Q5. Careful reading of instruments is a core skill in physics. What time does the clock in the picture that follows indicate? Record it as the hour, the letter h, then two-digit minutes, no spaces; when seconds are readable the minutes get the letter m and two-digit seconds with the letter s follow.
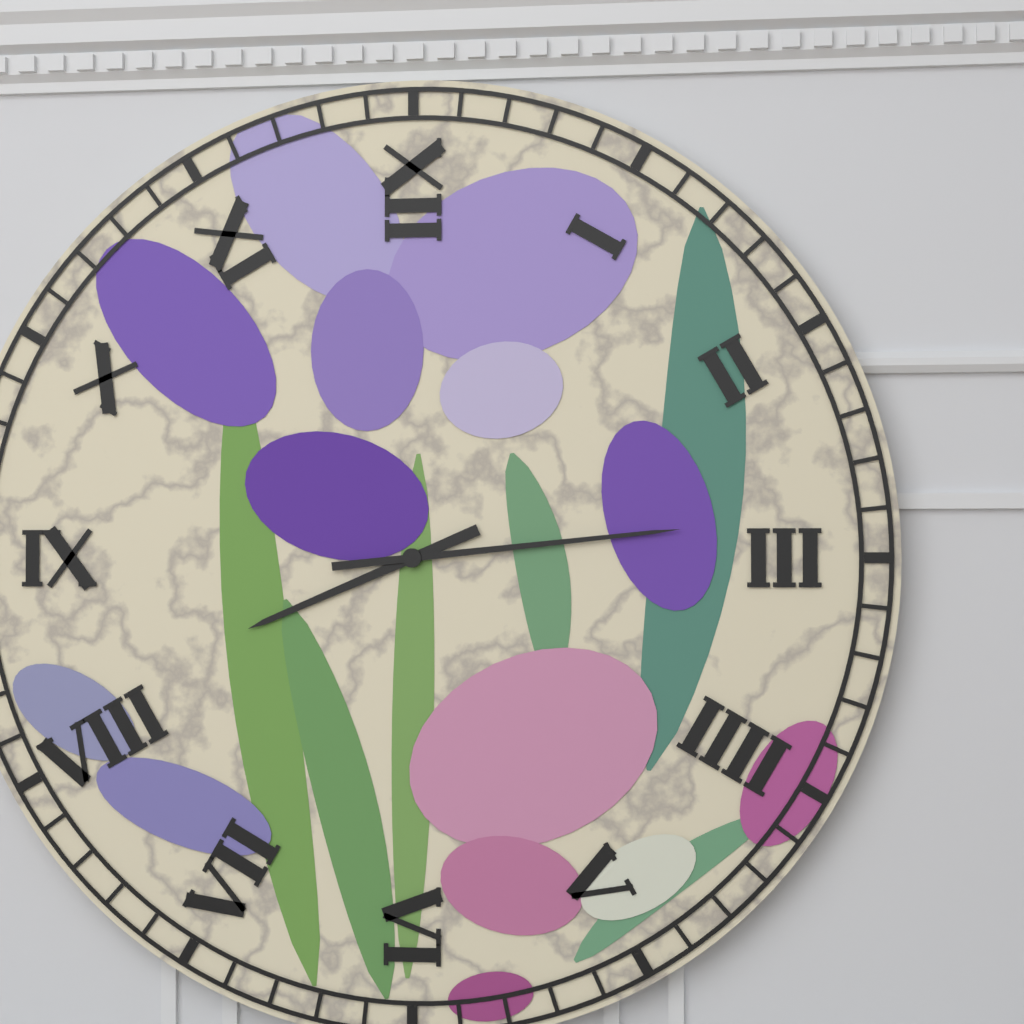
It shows 8h14
